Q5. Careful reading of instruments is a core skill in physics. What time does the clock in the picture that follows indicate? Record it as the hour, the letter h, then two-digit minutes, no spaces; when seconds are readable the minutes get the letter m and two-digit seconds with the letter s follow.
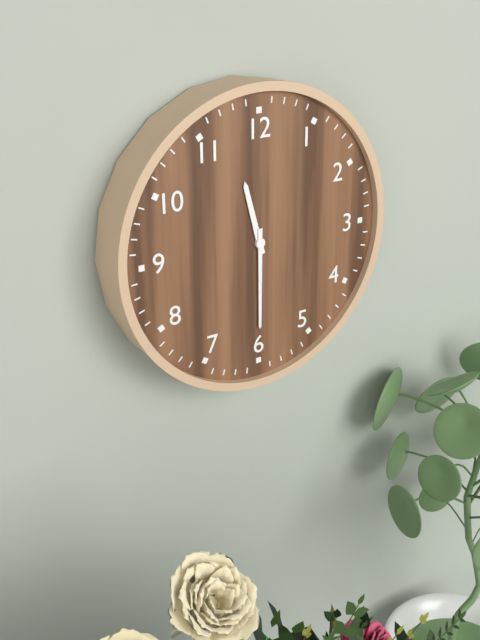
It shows 11h30
